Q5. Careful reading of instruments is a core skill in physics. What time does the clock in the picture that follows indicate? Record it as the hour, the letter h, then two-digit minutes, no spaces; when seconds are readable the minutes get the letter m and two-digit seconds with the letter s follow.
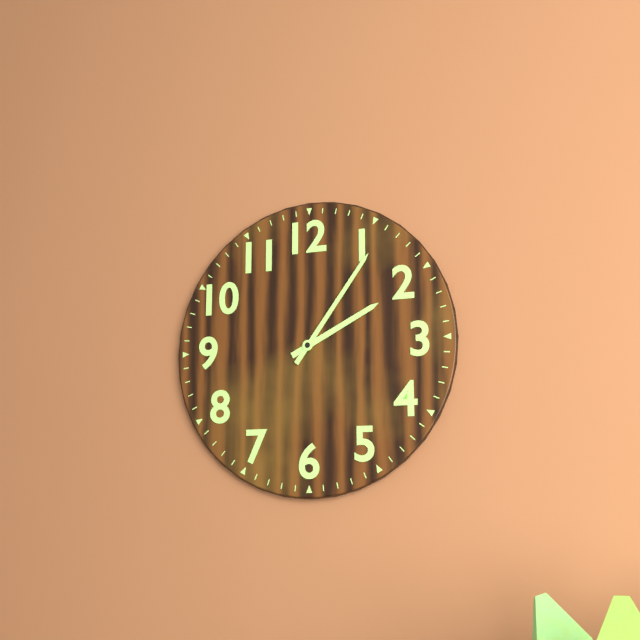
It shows 2h06
